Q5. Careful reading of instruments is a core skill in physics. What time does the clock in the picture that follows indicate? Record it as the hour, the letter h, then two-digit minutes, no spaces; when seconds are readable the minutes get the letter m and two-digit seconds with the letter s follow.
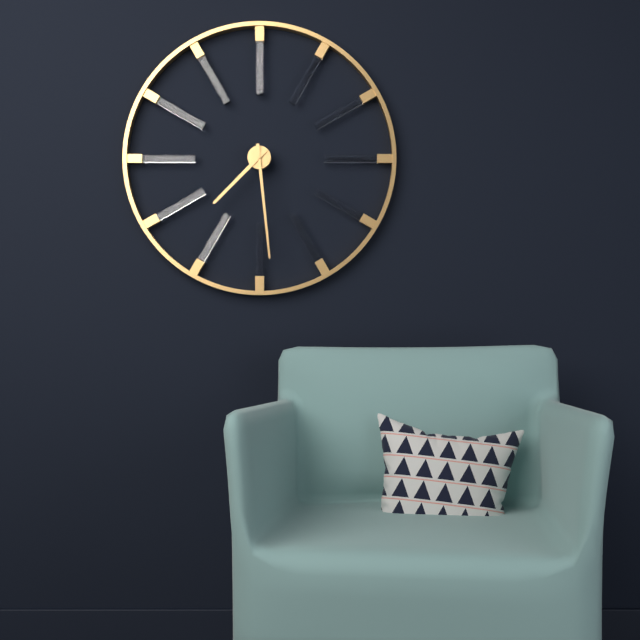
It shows 7h29
